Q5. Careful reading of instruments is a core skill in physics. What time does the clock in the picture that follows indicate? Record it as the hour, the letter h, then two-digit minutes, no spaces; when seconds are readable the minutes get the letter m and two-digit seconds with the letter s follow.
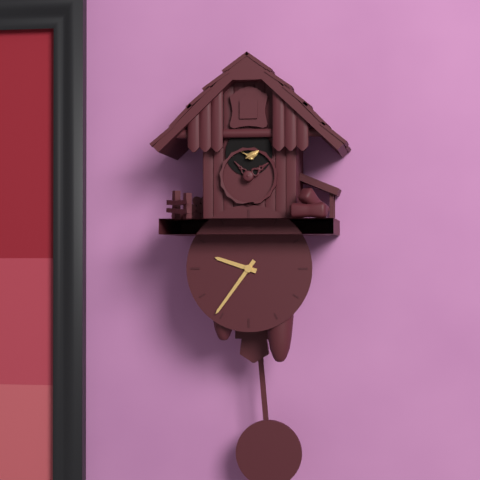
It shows 9h36
